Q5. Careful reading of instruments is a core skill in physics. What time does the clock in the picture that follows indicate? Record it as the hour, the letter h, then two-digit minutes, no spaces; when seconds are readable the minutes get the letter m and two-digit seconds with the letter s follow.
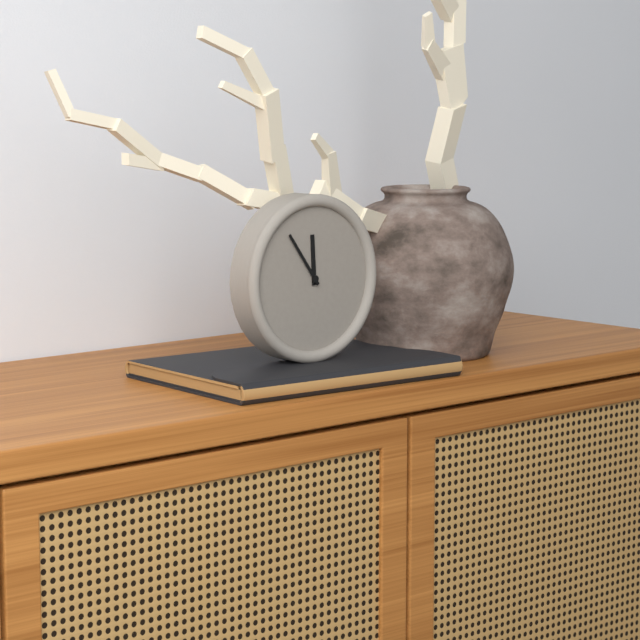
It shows 11h54
